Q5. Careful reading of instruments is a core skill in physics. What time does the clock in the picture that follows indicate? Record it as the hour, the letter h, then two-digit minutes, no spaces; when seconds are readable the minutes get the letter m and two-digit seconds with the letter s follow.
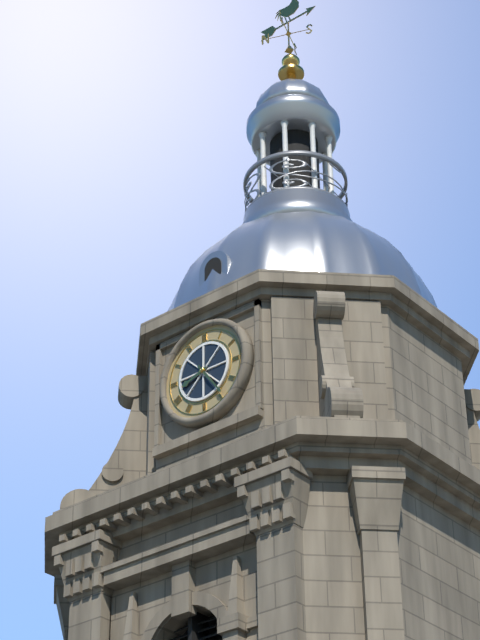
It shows 8h24
